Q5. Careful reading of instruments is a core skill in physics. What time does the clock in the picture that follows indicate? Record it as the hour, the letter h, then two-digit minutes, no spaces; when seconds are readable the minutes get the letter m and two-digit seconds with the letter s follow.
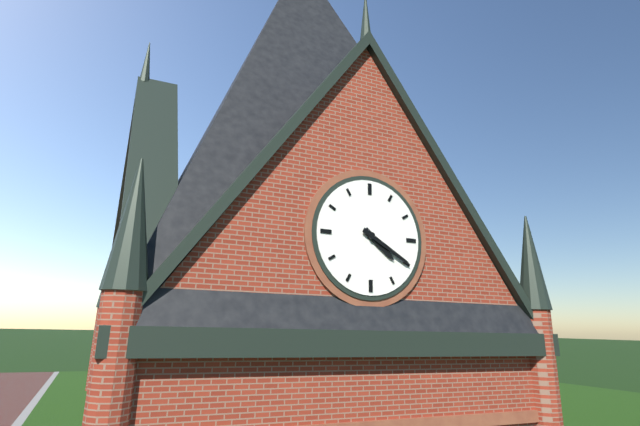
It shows 4h20
